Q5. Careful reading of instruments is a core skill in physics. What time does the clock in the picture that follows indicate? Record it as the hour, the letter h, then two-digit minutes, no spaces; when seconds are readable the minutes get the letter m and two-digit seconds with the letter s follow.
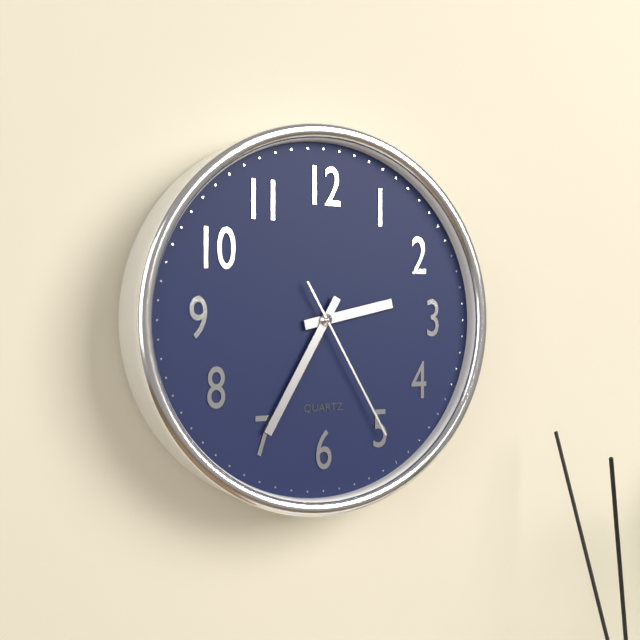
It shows 2h35m25s
